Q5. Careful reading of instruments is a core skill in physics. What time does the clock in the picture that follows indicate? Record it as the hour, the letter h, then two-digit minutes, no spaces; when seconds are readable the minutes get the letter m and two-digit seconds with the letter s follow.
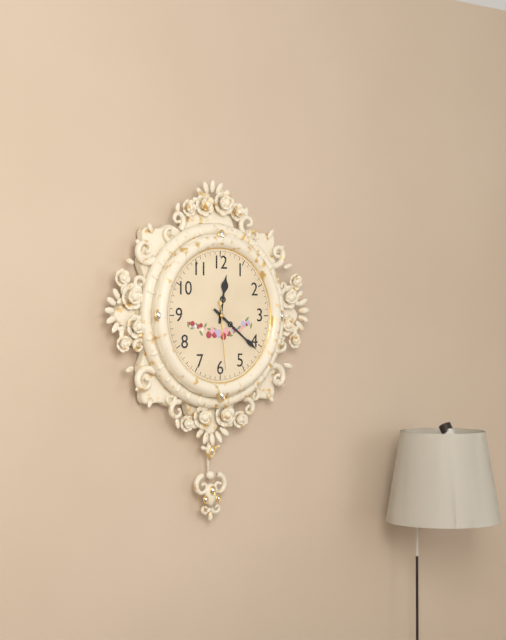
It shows 12h21m29s
